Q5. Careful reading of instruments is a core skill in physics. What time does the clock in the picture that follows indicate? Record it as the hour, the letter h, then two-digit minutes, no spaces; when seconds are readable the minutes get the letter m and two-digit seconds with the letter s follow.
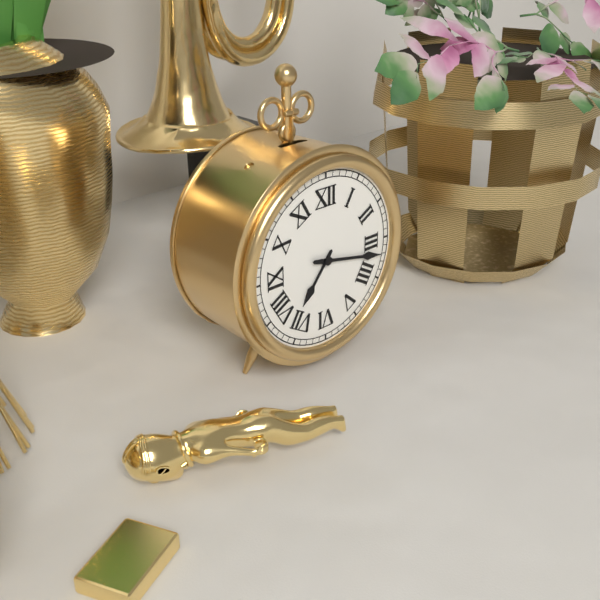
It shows 7h17
